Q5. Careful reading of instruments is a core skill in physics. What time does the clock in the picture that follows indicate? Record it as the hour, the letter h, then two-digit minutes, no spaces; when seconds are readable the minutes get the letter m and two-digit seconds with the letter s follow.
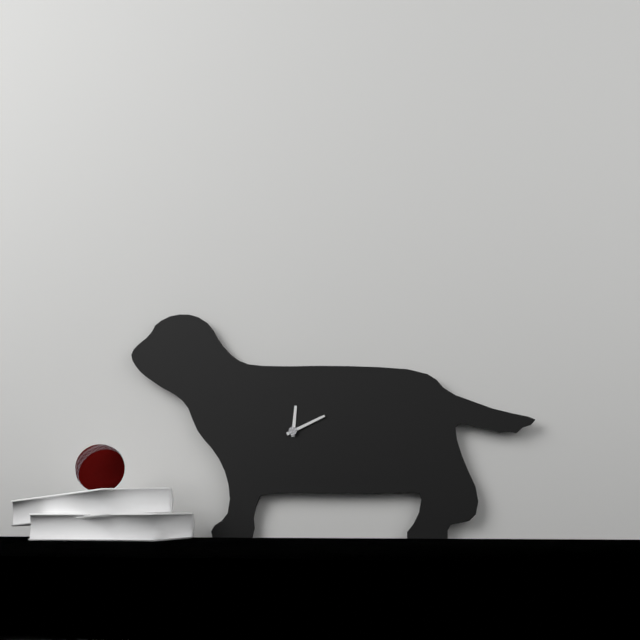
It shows 12h11
